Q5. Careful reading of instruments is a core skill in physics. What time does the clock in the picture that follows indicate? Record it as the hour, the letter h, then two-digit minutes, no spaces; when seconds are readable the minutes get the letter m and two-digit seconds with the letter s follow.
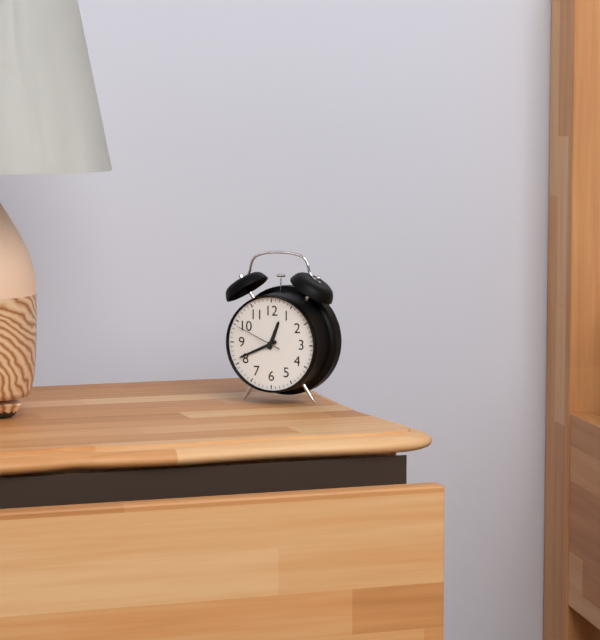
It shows 12h41
